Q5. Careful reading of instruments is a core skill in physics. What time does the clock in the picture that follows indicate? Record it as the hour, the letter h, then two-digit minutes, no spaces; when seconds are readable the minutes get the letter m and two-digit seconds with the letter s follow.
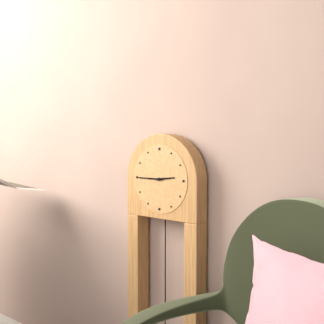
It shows 2h45
